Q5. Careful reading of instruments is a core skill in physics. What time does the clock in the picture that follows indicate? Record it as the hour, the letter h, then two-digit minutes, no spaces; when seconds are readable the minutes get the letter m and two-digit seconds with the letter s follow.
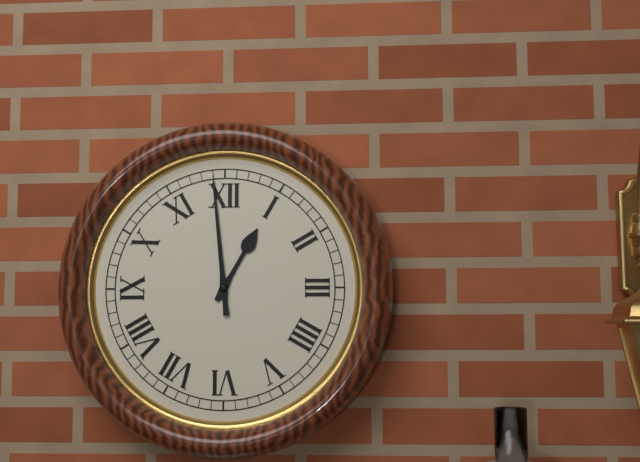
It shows 12h59
